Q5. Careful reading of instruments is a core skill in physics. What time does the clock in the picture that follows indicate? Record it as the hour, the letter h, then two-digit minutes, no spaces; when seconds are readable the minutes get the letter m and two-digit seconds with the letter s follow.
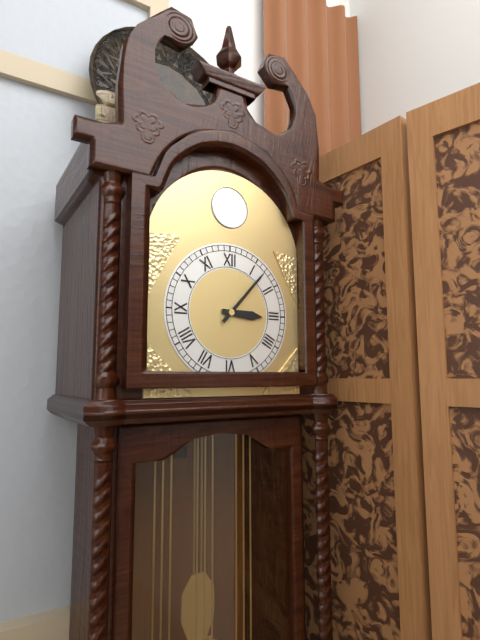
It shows 3h07
